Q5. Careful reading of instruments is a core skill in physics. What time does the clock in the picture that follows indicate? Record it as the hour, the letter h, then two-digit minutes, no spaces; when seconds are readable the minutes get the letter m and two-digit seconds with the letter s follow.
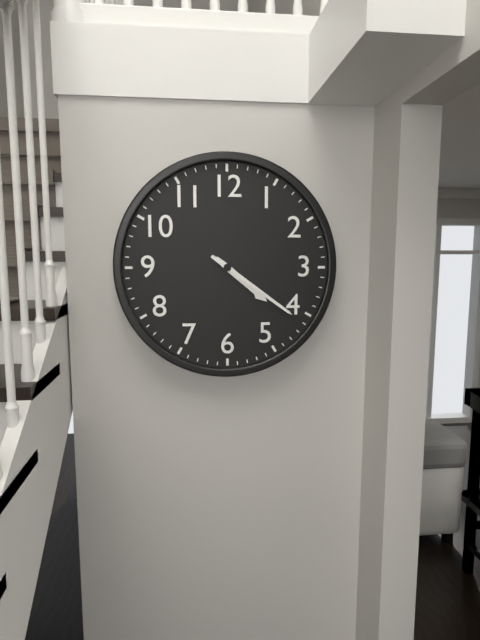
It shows 4h21
